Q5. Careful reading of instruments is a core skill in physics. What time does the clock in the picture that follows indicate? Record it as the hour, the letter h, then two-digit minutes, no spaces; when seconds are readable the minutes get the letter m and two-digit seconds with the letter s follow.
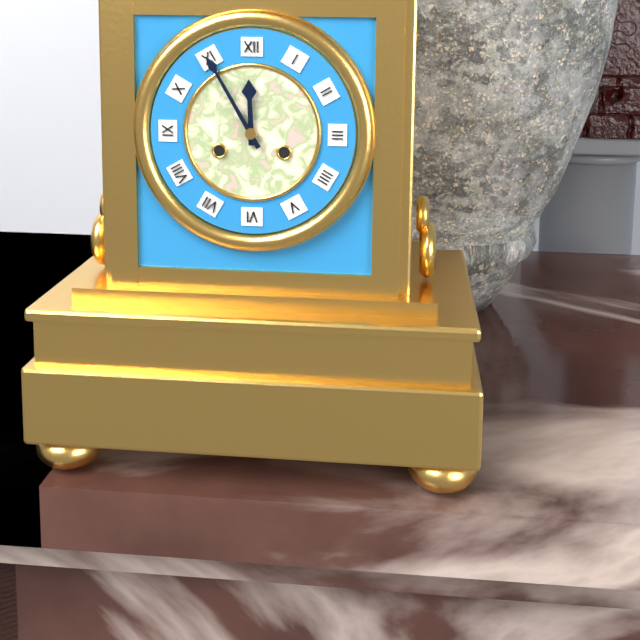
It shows 11h55
